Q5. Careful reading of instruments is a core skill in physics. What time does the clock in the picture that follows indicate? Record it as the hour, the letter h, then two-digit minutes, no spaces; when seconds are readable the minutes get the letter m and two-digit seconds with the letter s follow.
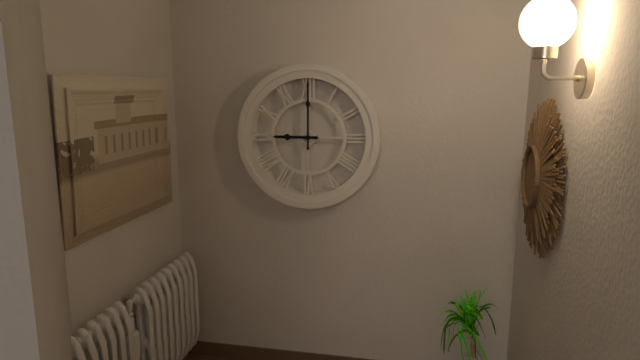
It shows 9h00
